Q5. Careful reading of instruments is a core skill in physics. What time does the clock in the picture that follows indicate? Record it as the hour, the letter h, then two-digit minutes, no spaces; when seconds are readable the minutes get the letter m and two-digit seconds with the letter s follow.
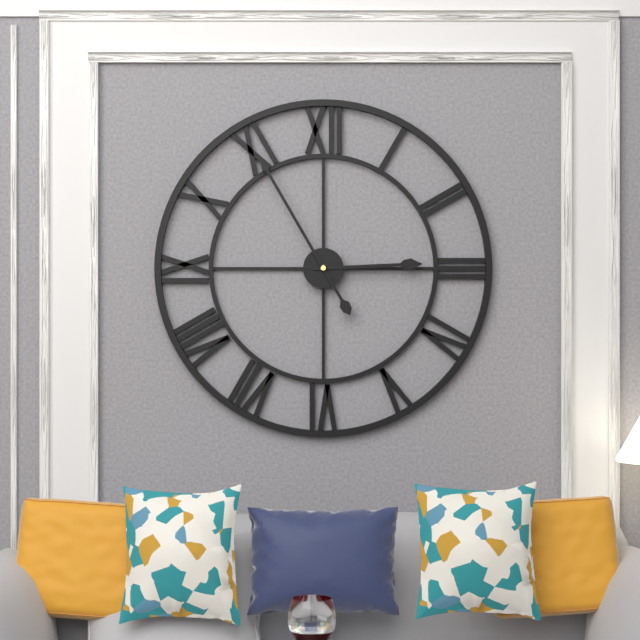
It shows 2h55
